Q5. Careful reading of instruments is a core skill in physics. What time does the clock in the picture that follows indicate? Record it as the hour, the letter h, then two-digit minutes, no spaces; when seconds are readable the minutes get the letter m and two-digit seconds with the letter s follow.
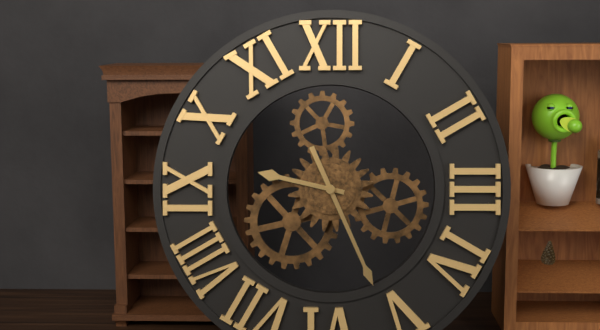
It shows 9h26
